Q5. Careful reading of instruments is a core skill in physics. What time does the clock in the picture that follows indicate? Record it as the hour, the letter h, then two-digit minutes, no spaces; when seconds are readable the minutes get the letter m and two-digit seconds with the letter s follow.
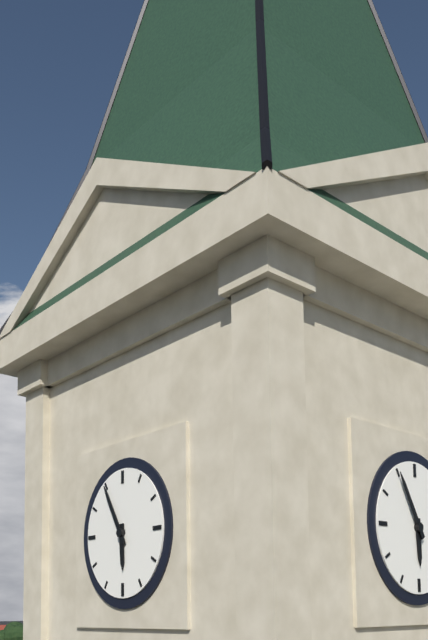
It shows 5h55
